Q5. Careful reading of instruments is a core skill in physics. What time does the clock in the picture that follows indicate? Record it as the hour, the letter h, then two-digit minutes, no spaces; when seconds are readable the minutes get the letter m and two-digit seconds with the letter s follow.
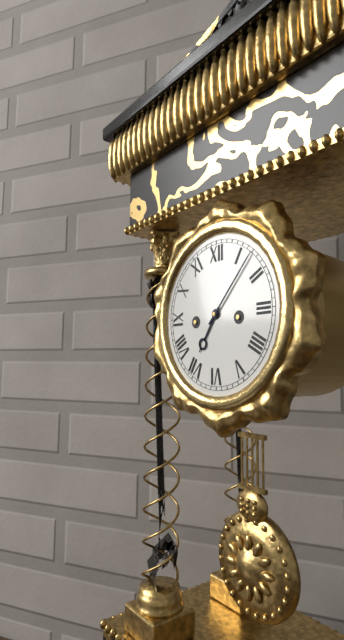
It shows 7h07
